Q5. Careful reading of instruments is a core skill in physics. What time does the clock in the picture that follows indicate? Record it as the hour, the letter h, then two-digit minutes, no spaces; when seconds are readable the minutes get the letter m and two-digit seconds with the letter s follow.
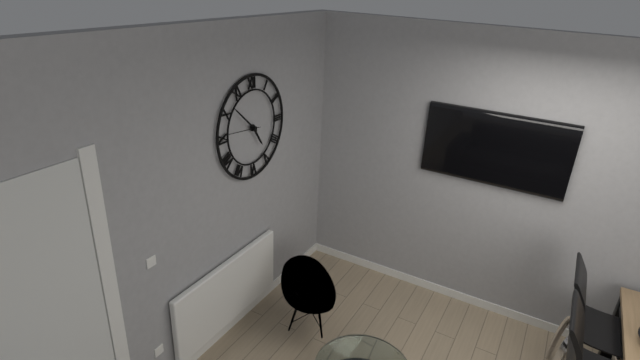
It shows 4h52
